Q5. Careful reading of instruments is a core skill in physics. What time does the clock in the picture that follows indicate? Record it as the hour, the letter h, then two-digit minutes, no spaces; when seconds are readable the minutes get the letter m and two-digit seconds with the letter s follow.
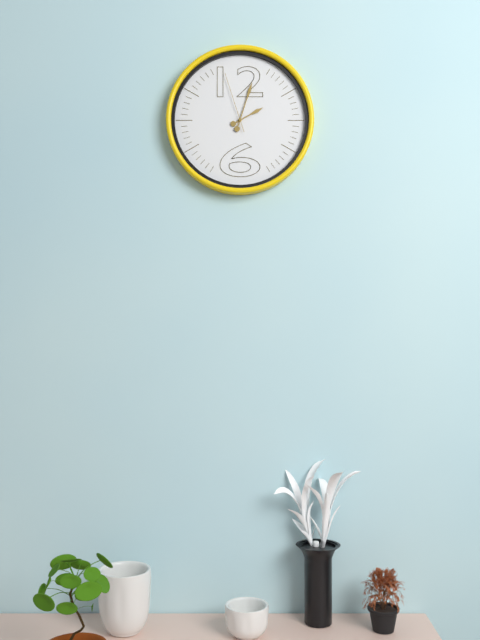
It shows 2h03m57s
